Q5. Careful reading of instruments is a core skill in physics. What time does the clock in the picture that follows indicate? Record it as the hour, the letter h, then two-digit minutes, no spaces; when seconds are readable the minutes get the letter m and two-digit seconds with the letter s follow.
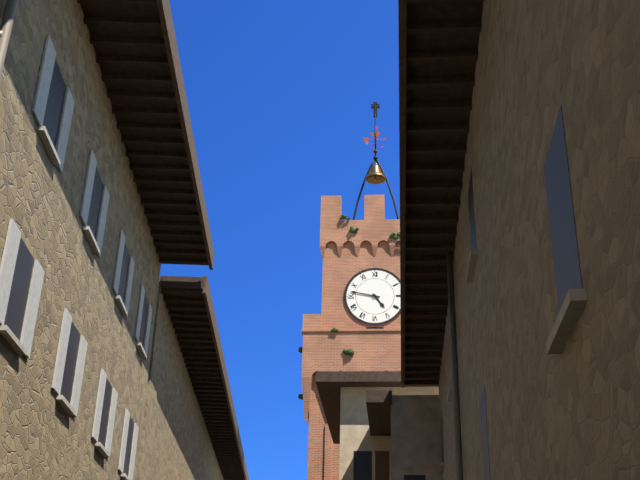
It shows 4h47
